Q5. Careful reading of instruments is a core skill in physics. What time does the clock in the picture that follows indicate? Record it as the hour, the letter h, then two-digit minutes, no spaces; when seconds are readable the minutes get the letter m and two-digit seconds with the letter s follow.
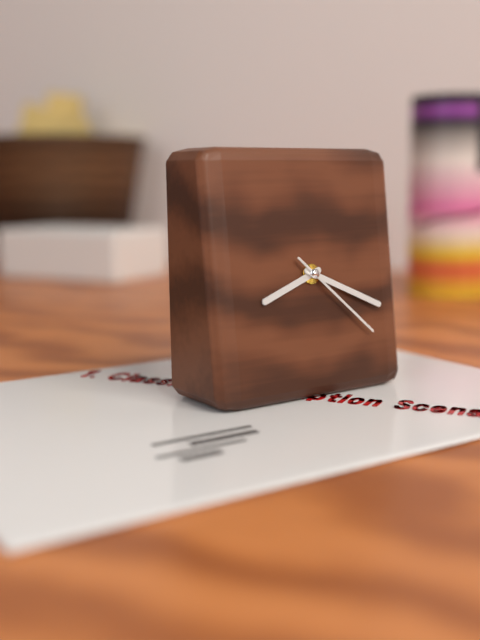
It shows 8h19m22s
